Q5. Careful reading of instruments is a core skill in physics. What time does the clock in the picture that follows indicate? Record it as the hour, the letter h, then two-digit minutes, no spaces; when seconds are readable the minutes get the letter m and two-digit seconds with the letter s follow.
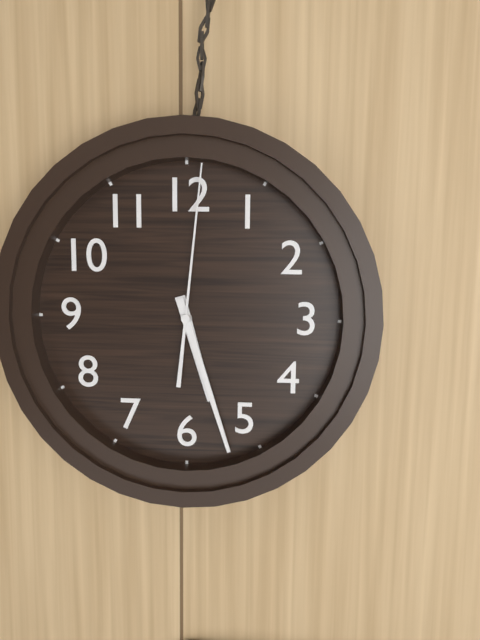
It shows 5h27m01s
